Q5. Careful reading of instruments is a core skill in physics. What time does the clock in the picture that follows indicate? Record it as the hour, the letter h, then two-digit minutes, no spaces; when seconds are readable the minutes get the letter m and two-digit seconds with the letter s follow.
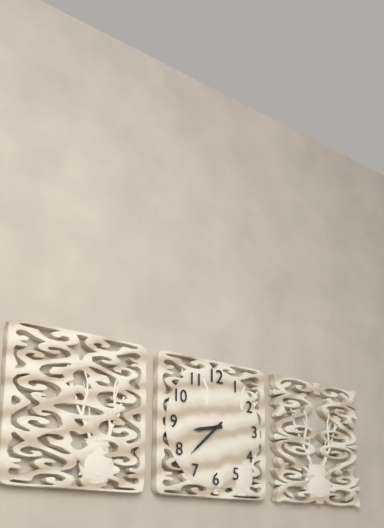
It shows 8h38
